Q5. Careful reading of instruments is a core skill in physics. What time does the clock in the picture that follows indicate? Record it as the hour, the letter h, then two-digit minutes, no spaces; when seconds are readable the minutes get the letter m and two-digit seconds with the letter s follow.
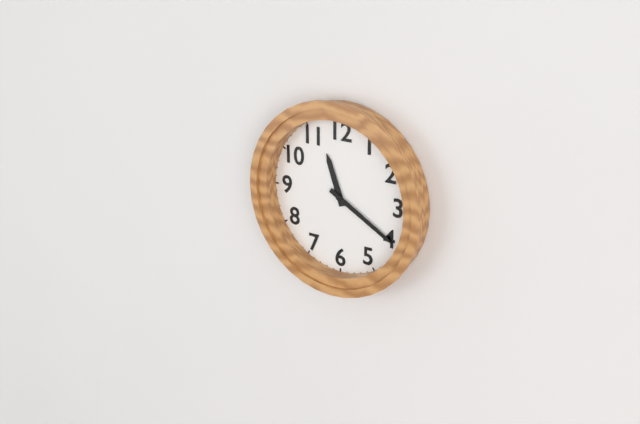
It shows 11h20
